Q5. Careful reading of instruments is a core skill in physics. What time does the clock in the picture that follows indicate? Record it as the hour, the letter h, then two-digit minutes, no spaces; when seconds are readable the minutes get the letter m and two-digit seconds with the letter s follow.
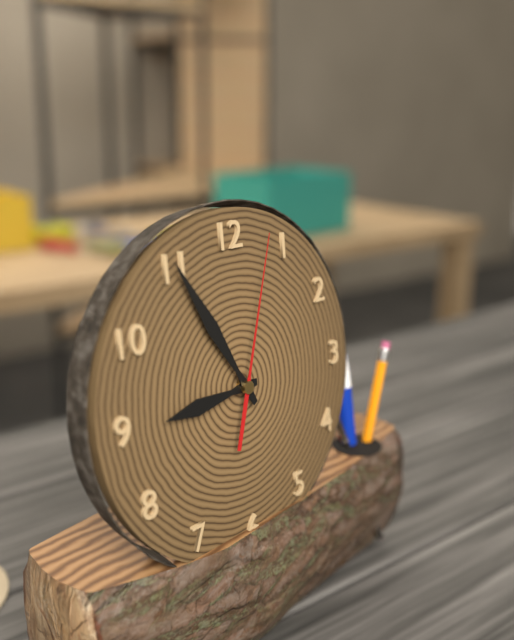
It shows 8h55m03s
